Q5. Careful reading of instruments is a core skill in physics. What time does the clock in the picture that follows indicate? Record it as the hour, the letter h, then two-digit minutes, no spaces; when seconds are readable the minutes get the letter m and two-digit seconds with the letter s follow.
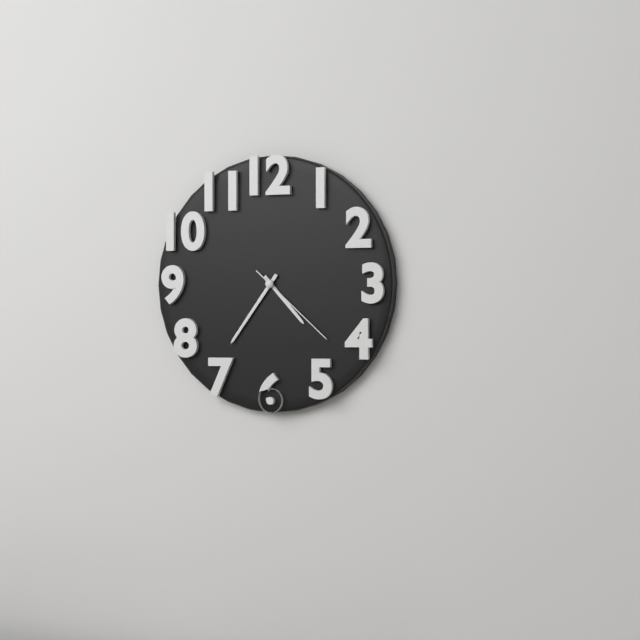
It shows 4h36m22s
